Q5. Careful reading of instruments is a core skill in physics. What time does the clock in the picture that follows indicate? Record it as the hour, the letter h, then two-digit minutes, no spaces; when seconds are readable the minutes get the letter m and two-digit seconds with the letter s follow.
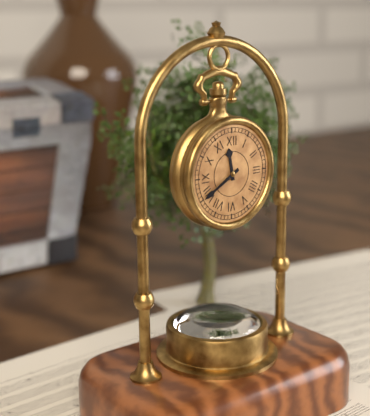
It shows 11h40
